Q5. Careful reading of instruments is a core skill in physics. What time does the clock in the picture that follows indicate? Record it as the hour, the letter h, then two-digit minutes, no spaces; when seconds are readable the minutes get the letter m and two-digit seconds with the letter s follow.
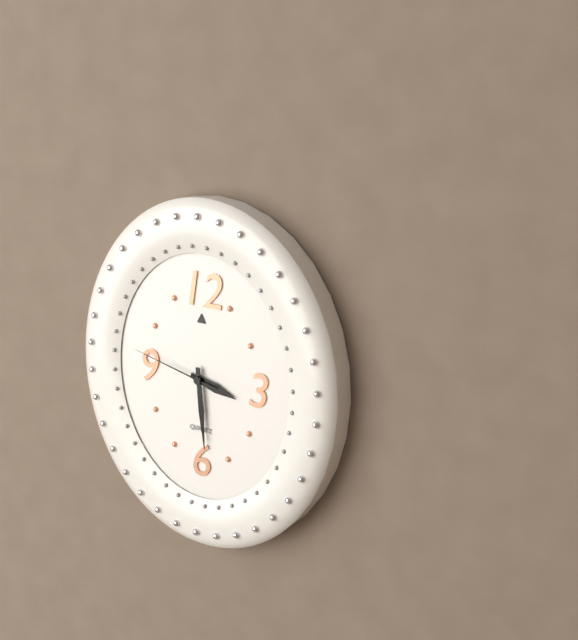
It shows 3h29m47s
